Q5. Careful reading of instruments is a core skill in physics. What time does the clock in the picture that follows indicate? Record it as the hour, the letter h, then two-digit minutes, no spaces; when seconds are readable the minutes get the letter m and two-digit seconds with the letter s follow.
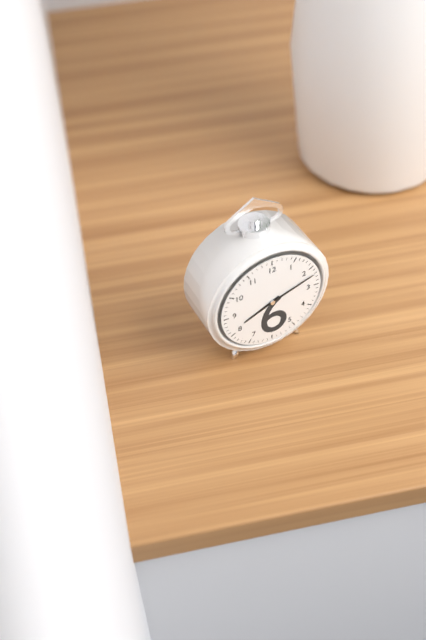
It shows 8h12
